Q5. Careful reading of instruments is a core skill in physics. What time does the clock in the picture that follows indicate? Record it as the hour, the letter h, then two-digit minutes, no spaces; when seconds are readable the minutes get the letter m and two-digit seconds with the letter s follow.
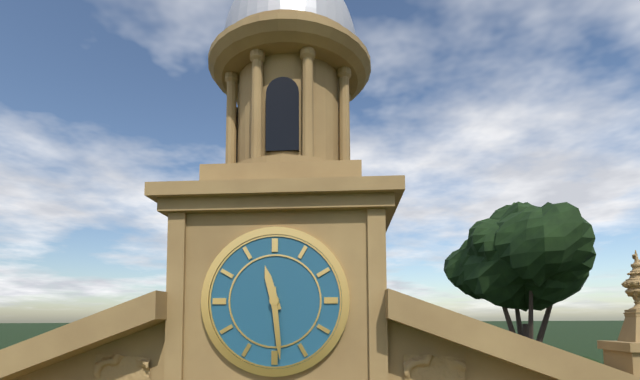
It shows 11h29
